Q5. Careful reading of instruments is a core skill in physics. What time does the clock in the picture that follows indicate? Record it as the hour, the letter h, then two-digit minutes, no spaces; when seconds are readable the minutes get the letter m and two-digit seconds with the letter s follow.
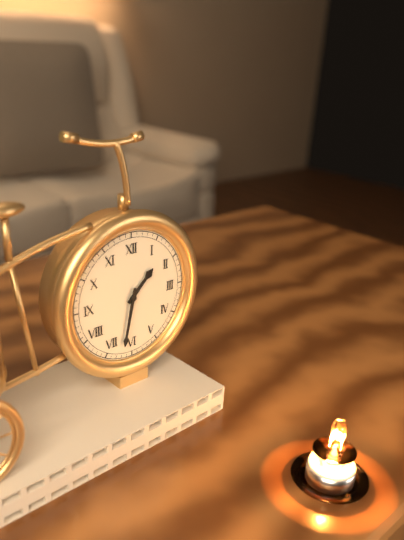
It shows 1h32
